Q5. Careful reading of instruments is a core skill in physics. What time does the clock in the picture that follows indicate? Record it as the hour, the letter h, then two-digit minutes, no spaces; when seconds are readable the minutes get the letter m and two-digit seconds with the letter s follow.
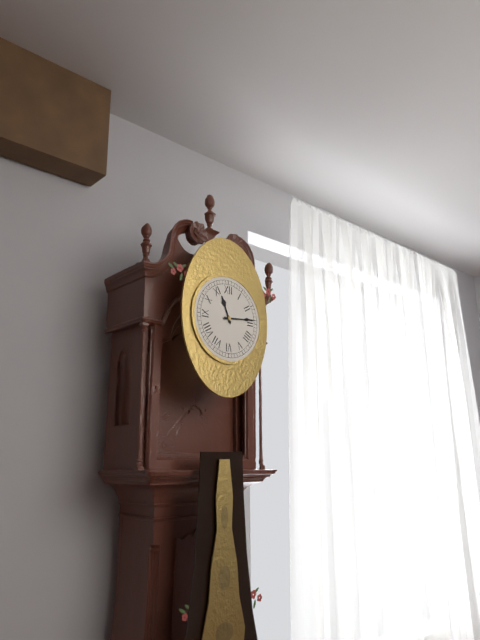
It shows 11h14
